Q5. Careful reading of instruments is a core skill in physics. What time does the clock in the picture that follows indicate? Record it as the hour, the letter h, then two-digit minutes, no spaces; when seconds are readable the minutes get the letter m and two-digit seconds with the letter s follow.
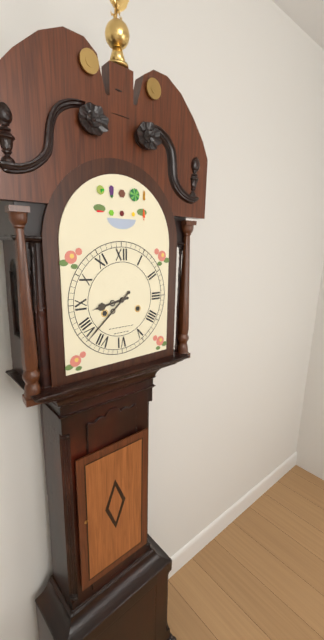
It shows 8h38
